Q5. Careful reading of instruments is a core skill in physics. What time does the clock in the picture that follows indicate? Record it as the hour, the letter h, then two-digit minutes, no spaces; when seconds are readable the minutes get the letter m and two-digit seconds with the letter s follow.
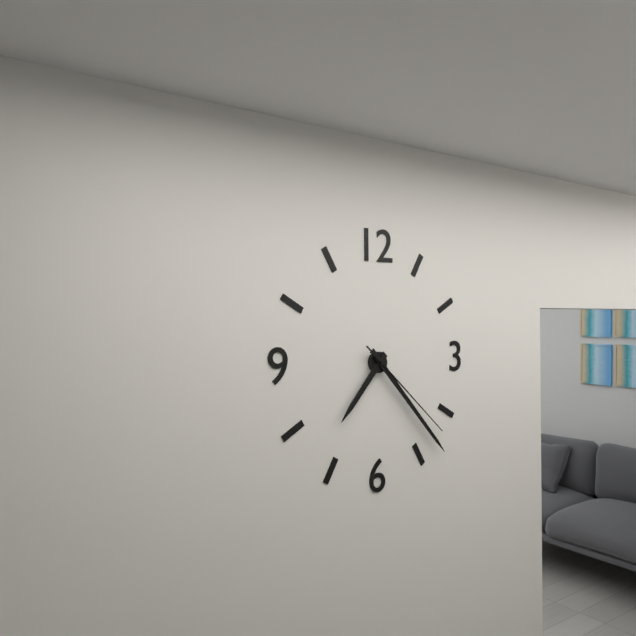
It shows 7h23m22s
